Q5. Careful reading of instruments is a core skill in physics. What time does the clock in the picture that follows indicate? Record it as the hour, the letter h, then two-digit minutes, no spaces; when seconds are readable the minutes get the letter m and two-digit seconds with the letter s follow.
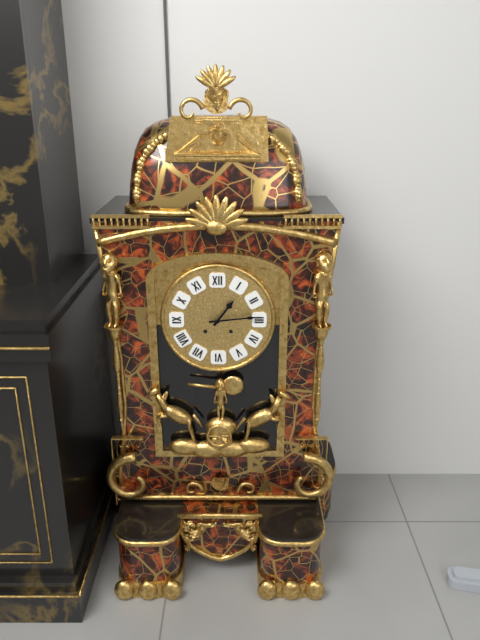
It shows 1h14
